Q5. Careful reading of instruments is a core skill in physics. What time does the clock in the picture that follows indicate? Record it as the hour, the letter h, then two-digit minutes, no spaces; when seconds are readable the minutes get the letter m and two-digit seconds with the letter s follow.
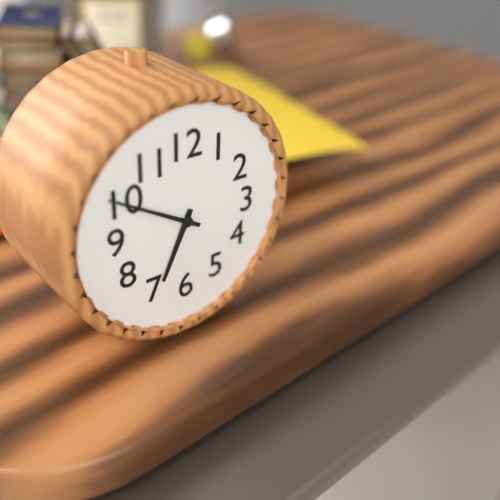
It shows 6h50
